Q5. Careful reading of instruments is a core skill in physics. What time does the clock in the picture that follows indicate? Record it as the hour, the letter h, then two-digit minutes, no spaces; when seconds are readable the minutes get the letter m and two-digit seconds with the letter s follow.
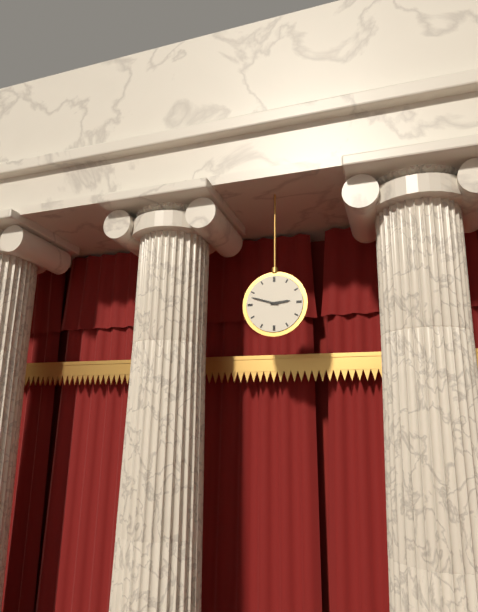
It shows 2h48
